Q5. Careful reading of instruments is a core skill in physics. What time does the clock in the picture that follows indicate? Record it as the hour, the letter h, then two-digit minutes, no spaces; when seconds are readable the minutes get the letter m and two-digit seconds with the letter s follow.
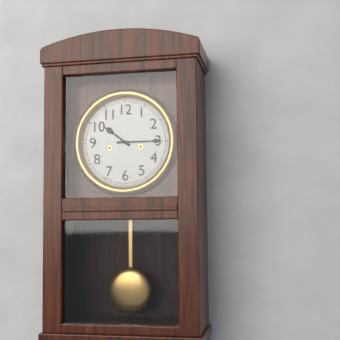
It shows 10h15
